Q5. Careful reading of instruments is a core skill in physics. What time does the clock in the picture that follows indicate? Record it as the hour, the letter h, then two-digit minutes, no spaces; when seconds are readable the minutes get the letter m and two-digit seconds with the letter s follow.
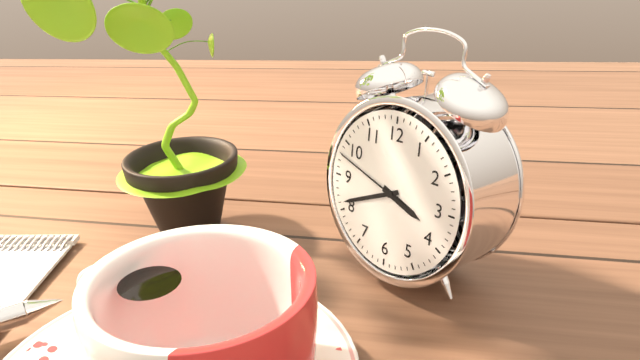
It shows 3h41m48s
